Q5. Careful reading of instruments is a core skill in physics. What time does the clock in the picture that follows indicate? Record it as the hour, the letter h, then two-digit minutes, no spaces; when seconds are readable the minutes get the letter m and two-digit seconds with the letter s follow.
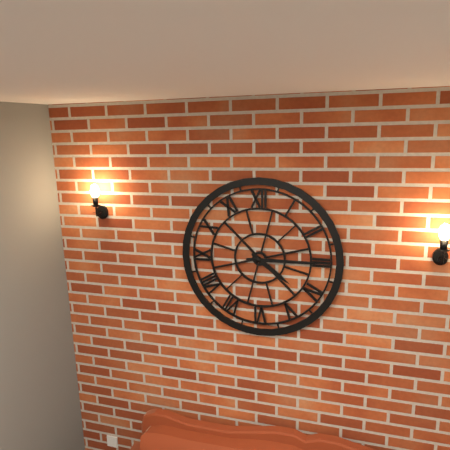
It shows 4h15
